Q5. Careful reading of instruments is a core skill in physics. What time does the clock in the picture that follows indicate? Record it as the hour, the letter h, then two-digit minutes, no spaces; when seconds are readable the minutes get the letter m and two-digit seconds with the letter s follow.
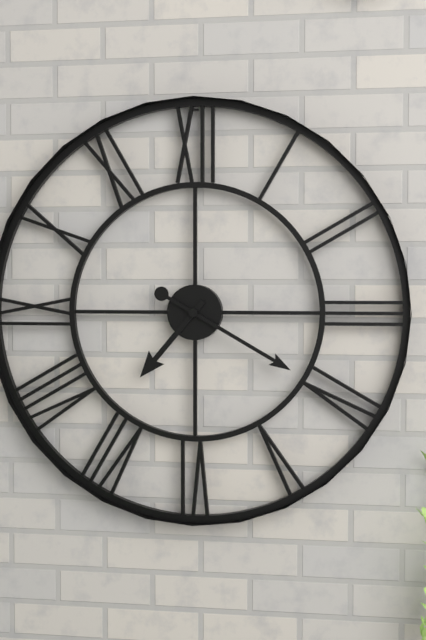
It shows 7h20
